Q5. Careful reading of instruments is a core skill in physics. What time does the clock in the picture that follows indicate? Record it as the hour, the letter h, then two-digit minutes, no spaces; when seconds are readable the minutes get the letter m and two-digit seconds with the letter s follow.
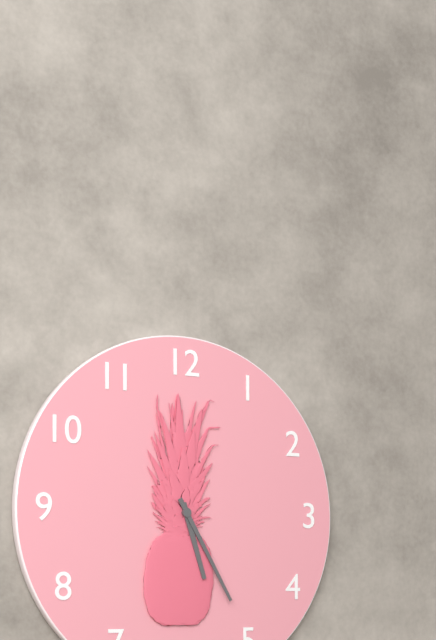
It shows 5h25
